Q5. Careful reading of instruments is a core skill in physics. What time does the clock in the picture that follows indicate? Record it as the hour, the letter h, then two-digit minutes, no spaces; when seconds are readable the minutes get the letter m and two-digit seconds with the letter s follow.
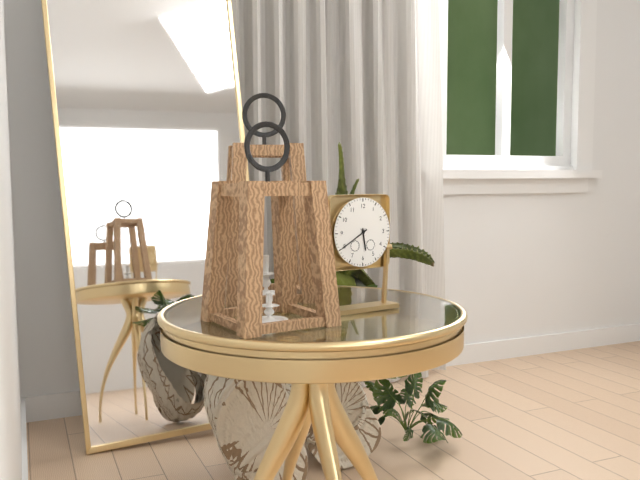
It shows 5h40
